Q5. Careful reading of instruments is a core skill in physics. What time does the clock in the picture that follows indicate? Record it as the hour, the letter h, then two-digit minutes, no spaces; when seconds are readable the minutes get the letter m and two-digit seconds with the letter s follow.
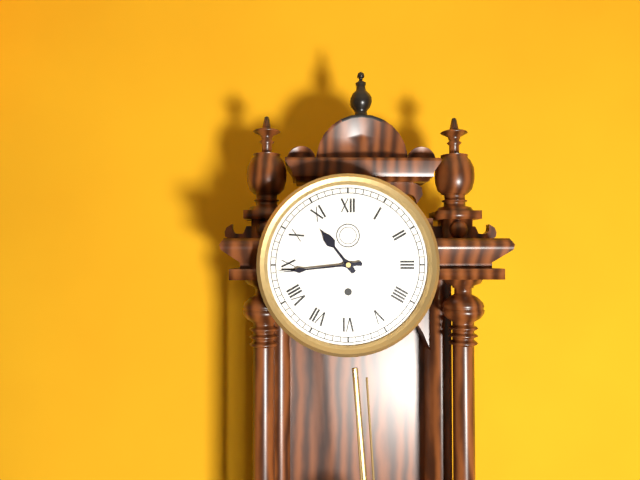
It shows 10h44
